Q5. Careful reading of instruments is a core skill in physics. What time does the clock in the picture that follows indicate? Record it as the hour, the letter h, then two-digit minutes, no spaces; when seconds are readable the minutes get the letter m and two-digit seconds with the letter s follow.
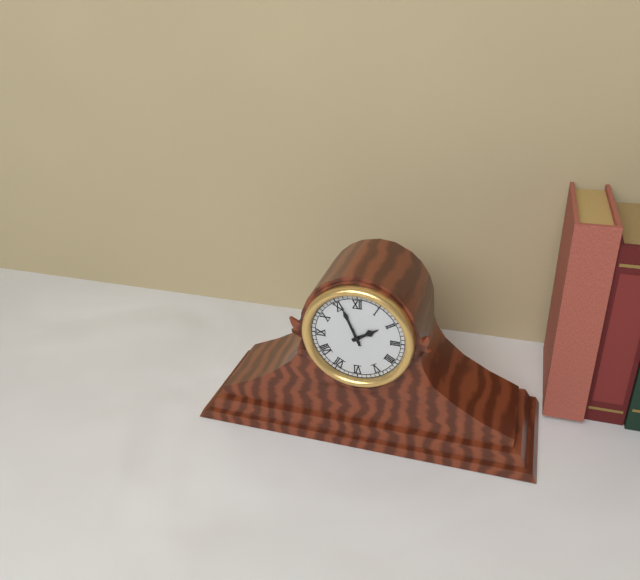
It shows 1h56
